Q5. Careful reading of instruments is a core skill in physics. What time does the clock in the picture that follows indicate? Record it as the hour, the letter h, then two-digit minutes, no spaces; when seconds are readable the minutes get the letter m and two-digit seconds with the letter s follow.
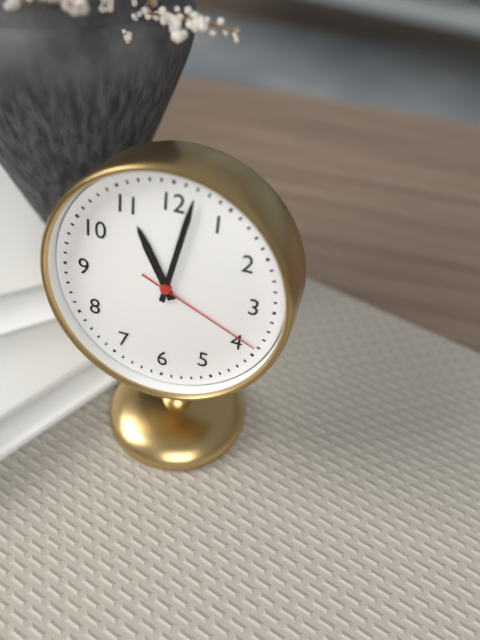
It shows 11h02m19s
